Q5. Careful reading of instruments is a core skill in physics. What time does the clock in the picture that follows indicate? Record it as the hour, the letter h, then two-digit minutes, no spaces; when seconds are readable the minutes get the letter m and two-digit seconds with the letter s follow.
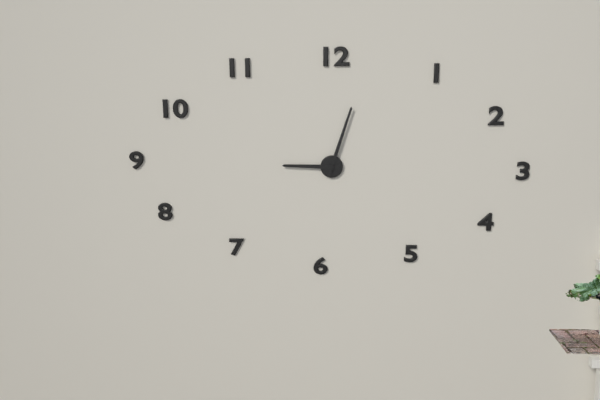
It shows 9h03
